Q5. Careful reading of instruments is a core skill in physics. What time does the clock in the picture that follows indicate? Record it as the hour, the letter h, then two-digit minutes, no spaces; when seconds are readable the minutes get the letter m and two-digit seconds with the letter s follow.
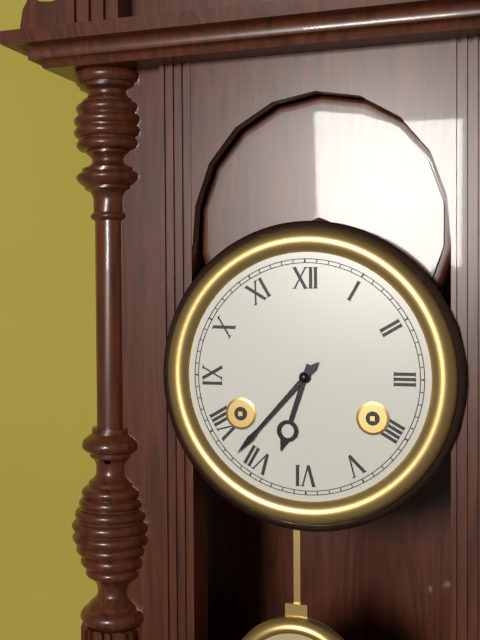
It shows 6h37
